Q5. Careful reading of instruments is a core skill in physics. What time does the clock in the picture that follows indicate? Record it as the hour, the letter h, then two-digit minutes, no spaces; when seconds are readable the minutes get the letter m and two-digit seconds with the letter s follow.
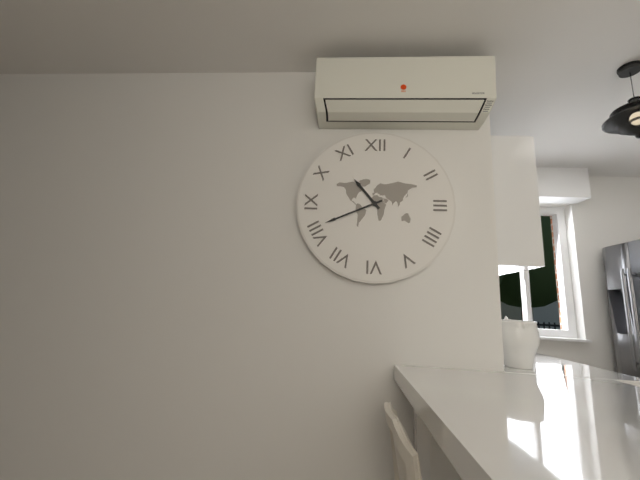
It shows 10h41
